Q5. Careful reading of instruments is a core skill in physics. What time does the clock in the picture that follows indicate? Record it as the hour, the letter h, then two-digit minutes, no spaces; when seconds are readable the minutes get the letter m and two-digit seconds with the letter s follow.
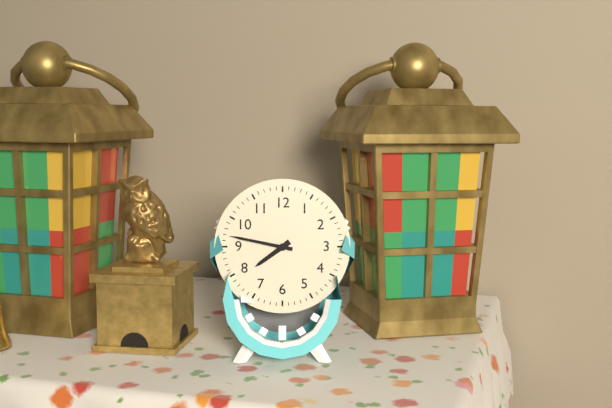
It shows 7h47
